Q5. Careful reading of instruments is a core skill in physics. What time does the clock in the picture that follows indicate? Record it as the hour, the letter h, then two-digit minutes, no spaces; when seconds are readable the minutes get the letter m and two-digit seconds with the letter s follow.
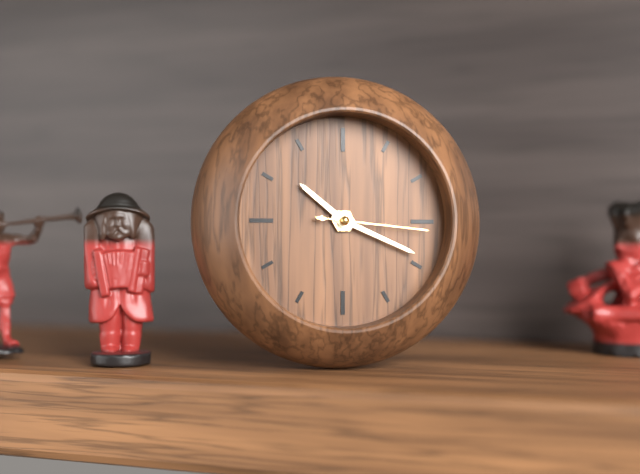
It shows 10h19m16s
